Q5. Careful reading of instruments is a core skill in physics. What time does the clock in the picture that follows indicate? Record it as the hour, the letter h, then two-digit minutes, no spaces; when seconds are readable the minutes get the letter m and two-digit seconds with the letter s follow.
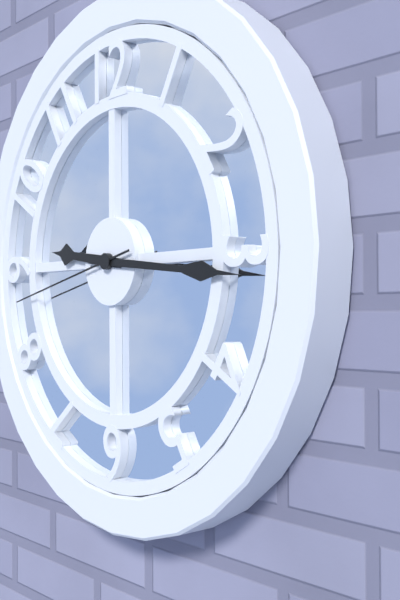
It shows 9h16m43s
